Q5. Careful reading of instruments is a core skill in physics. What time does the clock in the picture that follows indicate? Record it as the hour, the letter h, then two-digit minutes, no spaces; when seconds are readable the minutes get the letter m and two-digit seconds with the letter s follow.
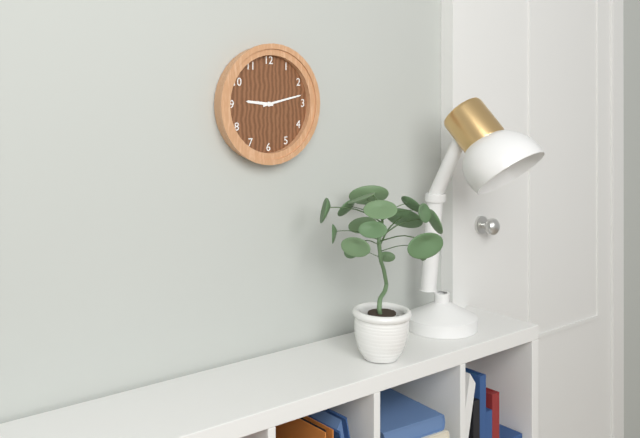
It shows 9h13
